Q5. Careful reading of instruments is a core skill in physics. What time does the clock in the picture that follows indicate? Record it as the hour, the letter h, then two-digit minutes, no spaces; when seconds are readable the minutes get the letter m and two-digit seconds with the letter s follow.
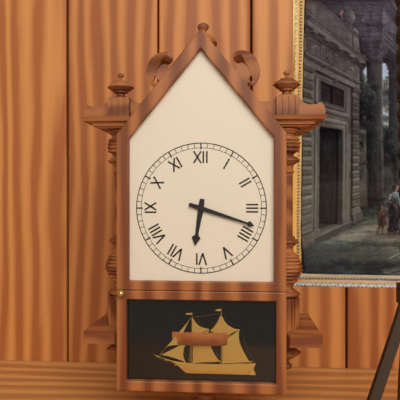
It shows 6h18
